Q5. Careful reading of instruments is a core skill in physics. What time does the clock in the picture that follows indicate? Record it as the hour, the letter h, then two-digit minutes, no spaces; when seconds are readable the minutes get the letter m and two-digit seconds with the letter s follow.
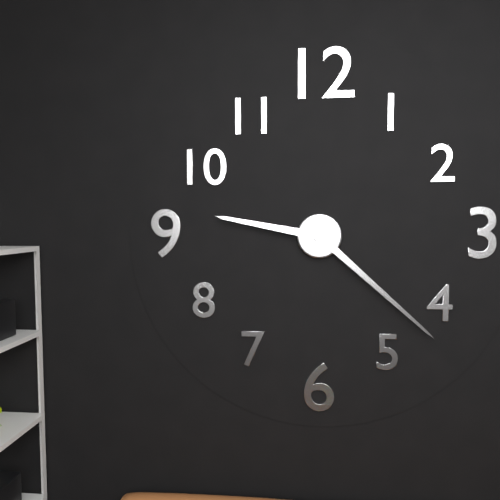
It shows 9h22
